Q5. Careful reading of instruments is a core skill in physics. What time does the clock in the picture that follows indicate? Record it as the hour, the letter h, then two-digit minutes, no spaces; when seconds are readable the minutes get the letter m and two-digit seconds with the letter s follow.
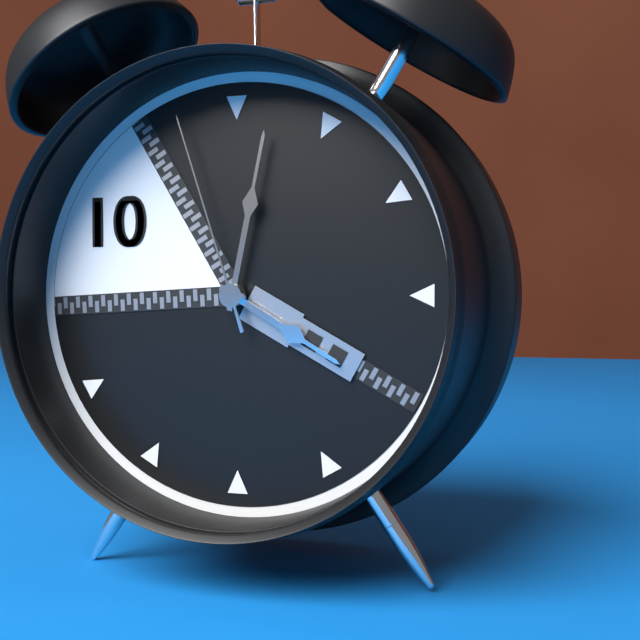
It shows 4h02m57s
